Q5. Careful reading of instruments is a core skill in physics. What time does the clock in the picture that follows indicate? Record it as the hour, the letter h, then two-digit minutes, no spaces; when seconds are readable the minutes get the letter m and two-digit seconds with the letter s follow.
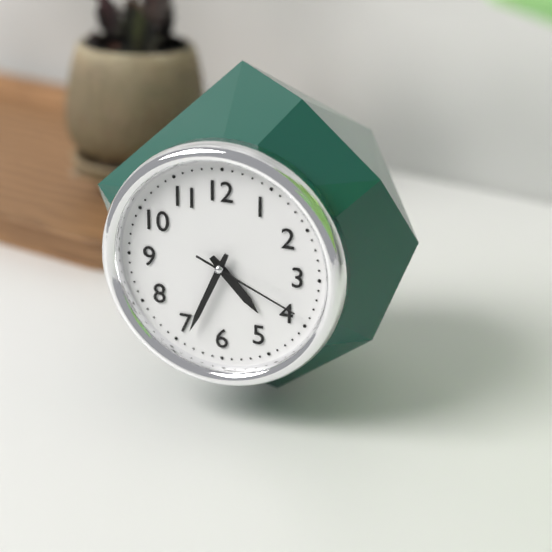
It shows 4h34m19s
